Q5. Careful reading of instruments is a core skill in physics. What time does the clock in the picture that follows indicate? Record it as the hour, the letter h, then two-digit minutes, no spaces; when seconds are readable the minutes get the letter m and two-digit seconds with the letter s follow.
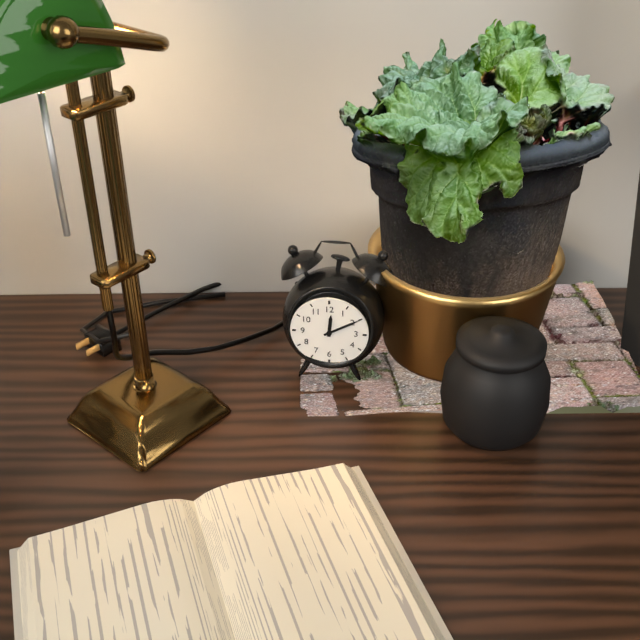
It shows 12h10
